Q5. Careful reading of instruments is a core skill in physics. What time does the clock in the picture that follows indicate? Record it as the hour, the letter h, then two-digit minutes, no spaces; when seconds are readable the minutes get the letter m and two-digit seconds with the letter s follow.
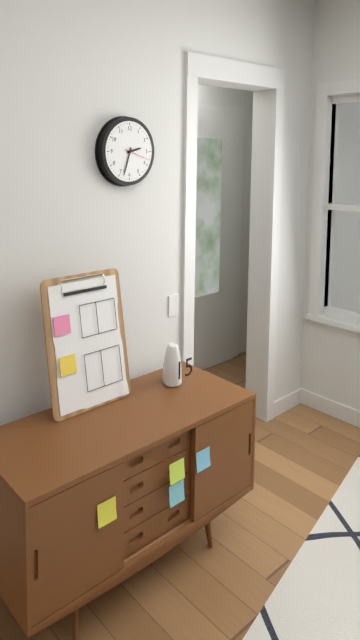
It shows 2h33
